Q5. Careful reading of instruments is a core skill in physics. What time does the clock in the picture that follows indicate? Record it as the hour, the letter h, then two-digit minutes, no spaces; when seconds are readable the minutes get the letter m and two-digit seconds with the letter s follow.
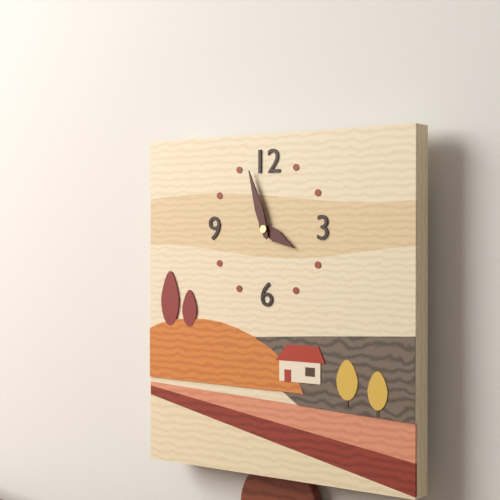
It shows 3h57
